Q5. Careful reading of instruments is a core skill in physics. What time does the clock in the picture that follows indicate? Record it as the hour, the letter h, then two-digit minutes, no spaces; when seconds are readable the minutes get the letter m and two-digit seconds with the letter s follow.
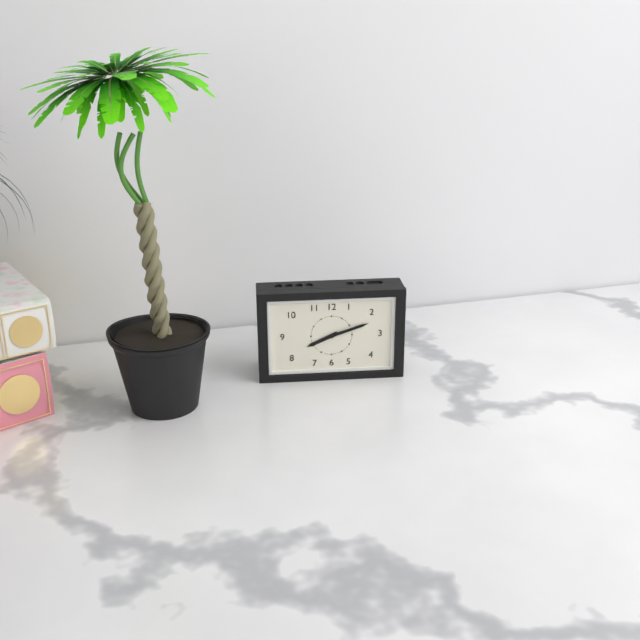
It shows 8h12
